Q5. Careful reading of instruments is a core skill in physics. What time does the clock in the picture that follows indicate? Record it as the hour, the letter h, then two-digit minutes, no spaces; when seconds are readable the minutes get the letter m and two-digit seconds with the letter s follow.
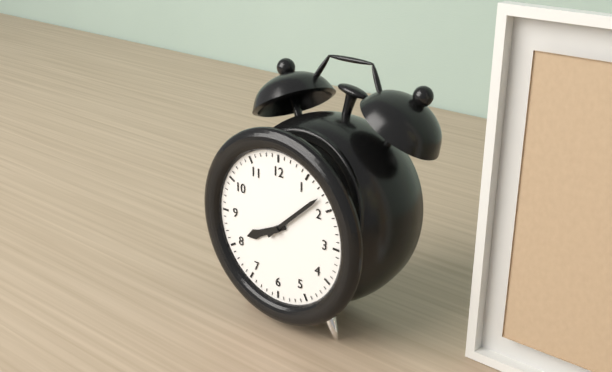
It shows 8h08
